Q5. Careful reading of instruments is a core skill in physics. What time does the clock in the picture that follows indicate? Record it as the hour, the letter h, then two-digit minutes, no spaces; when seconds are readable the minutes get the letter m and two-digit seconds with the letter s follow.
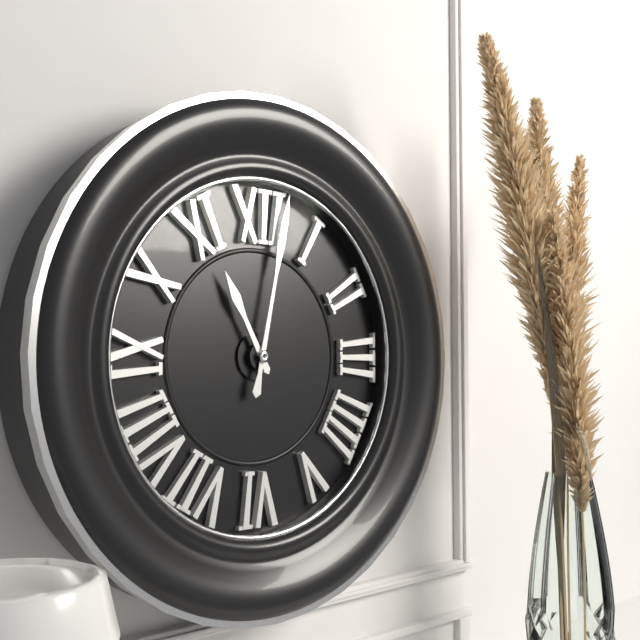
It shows 11h02
